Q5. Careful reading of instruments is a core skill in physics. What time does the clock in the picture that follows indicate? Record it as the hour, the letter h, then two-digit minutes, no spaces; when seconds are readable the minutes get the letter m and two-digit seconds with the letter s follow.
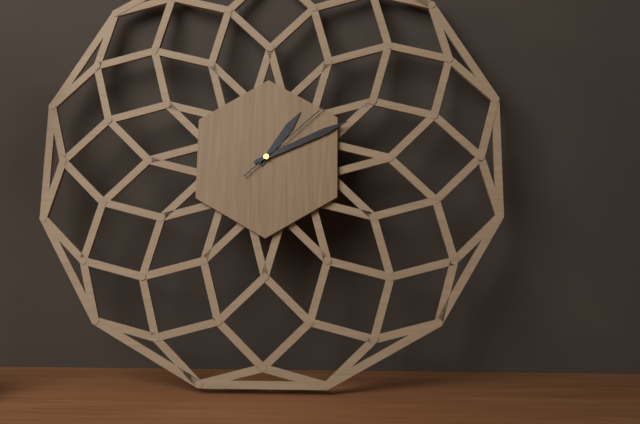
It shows 1h11m08s
